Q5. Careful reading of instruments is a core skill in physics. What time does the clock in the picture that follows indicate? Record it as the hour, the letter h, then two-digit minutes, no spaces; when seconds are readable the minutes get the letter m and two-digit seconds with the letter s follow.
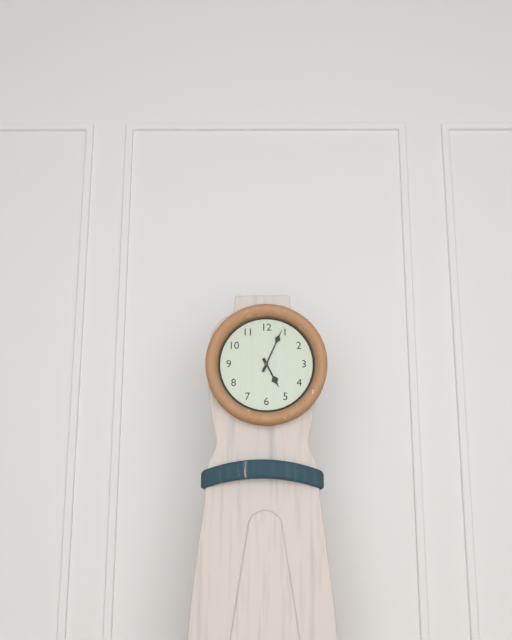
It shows 5h04
